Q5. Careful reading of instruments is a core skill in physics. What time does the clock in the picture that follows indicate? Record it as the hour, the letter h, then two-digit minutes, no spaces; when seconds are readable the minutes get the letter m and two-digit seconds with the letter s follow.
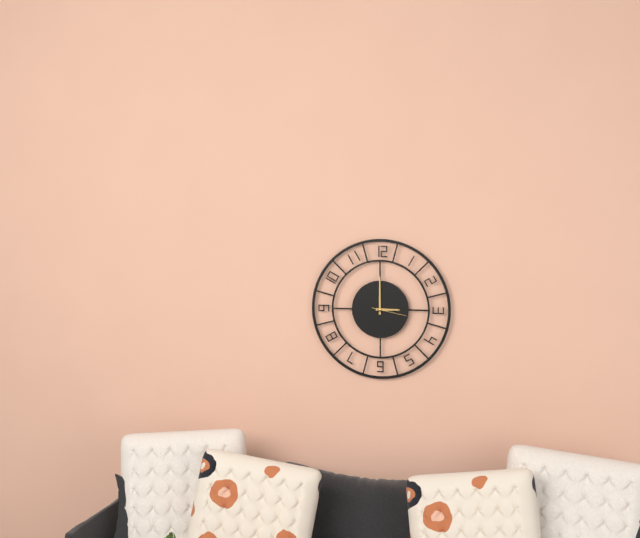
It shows 3h00
